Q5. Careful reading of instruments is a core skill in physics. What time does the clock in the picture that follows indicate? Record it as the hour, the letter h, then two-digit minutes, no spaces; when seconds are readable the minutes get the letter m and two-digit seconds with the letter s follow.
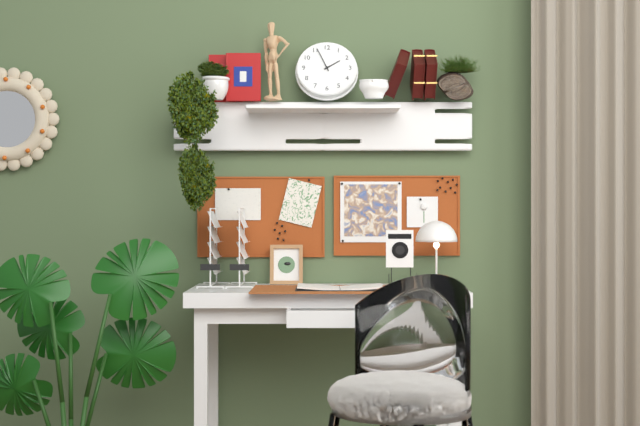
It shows 1h56
